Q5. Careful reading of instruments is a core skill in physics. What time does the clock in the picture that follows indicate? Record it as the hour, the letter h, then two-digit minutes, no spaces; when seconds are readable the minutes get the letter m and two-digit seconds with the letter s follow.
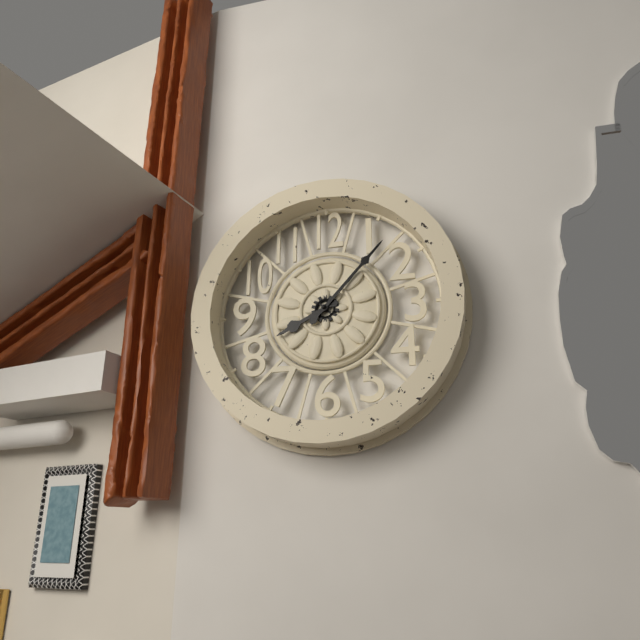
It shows 8h07
